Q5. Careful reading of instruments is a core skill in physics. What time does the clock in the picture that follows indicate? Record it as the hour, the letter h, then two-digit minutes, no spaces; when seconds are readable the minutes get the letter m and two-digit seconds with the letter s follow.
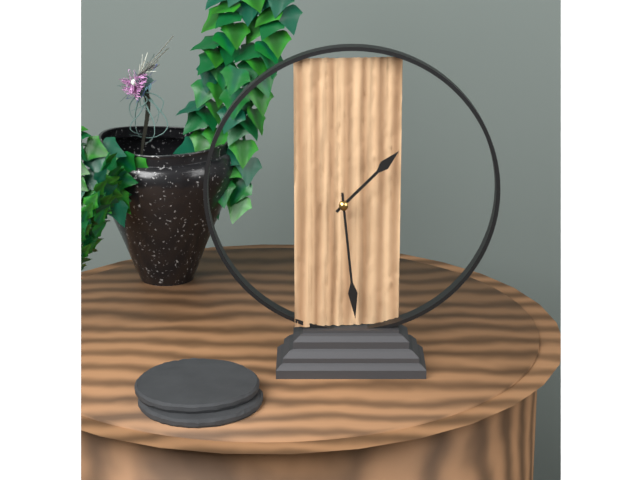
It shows 1h29
